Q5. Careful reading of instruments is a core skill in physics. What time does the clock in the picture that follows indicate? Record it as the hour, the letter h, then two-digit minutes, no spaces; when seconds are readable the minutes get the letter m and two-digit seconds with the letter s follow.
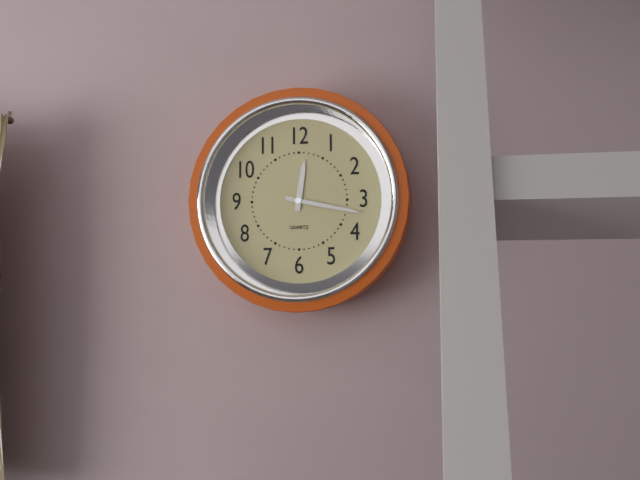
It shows 12h17
